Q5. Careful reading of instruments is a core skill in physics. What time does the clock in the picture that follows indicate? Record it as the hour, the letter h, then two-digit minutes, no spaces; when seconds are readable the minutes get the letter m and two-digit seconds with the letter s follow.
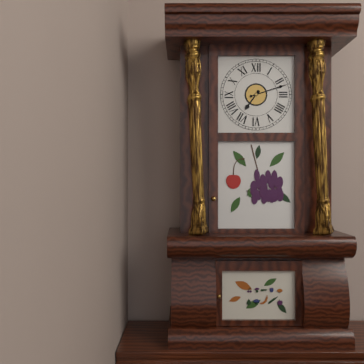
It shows 7h12
